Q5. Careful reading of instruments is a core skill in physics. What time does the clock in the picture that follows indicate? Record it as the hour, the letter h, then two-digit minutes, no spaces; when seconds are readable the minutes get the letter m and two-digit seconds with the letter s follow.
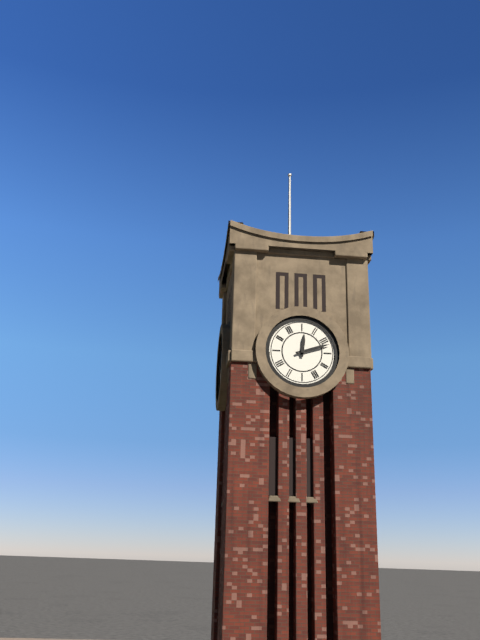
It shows 12h12
